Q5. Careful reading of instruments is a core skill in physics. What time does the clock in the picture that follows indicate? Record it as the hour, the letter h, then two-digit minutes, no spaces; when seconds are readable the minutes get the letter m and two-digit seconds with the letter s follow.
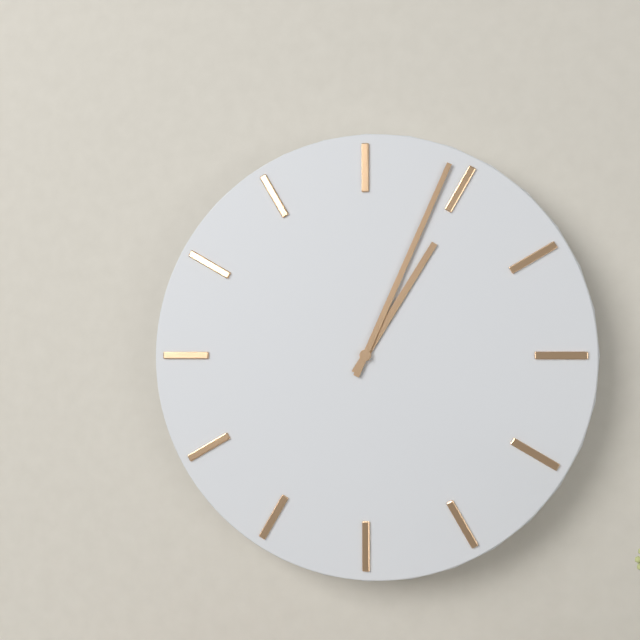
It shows 1h04
